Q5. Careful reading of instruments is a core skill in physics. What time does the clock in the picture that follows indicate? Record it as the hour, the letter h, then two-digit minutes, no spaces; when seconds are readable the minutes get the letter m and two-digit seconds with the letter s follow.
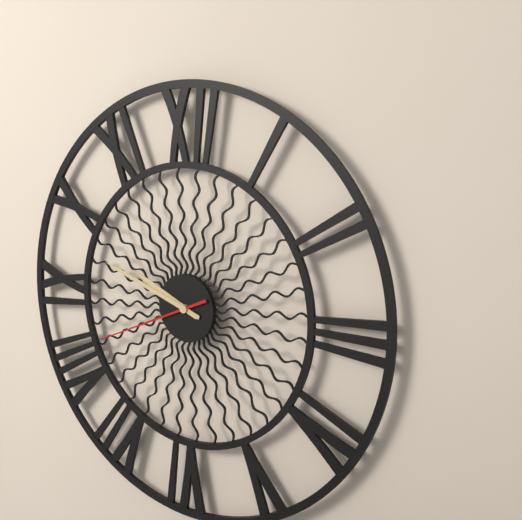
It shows 9h48m41s
